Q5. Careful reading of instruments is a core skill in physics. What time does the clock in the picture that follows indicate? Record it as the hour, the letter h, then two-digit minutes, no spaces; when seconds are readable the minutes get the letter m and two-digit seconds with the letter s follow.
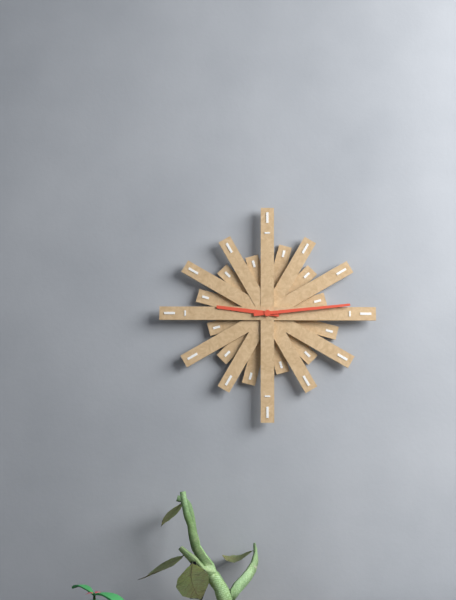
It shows 9h14
